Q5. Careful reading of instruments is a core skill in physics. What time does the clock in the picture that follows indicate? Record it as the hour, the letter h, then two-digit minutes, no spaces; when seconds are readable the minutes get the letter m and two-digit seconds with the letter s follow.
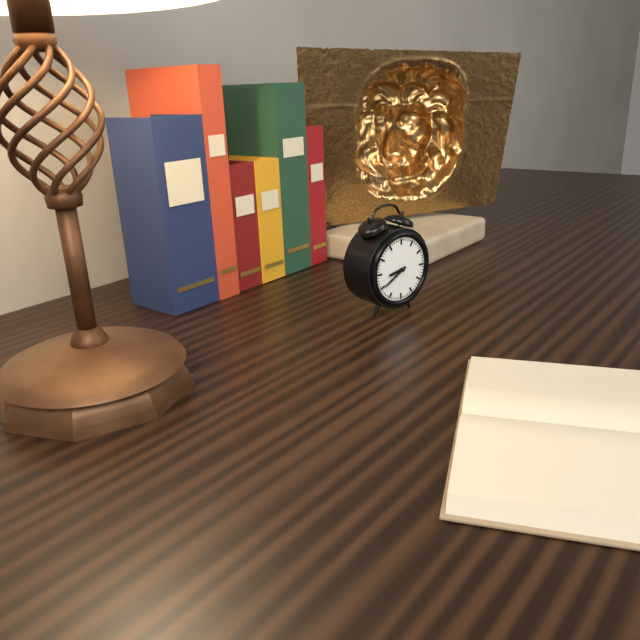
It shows 8h40
